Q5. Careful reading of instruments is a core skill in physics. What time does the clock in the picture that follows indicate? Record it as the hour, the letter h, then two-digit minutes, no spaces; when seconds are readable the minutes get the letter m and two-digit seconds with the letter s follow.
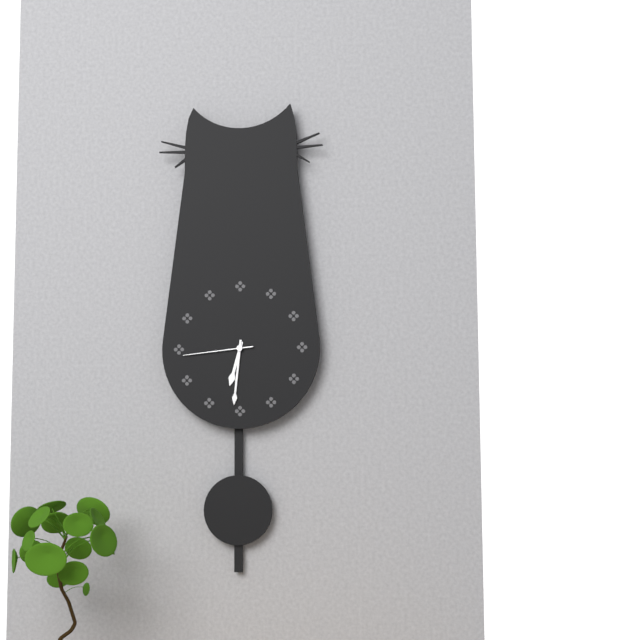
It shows 6h31m44s
